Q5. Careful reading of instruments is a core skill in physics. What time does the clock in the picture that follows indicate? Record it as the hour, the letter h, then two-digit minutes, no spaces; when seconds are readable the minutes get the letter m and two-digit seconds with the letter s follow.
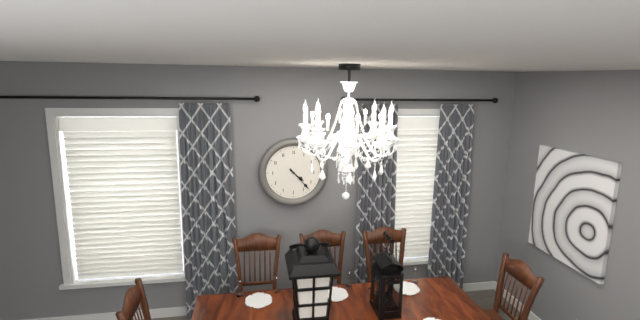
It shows 4h23
